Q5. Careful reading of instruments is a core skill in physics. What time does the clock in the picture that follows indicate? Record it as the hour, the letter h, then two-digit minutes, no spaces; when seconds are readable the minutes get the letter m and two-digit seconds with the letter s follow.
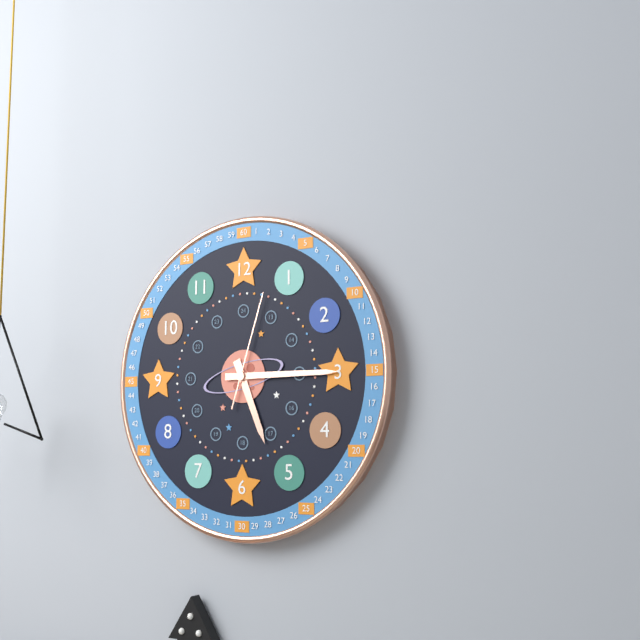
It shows 5h15m03s
